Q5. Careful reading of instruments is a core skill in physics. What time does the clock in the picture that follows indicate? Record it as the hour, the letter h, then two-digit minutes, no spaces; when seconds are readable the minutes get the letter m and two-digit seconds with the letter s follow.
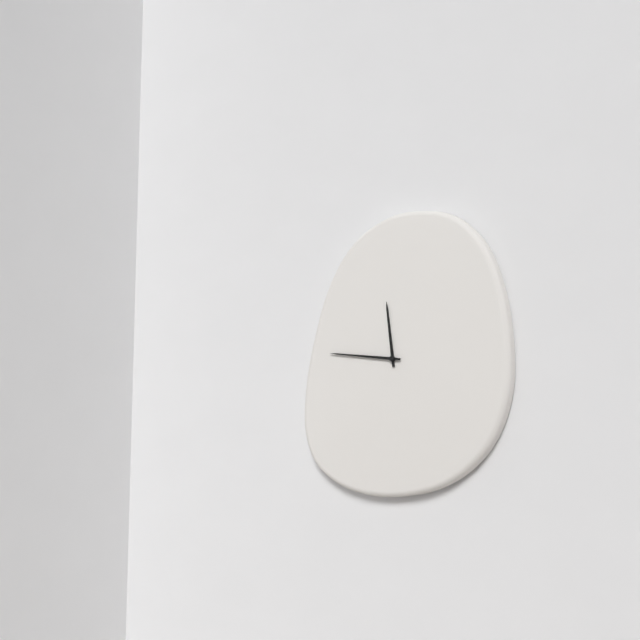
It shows 11h46
